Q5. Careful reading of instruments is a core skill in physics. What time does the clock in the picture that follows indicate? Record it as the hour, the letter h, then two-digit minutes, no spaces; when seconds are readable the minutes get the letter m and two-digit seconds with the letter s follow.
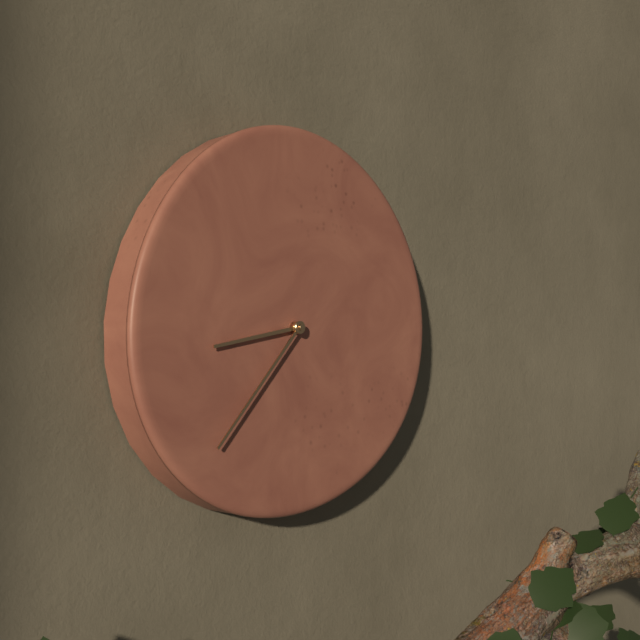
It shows 8h37
